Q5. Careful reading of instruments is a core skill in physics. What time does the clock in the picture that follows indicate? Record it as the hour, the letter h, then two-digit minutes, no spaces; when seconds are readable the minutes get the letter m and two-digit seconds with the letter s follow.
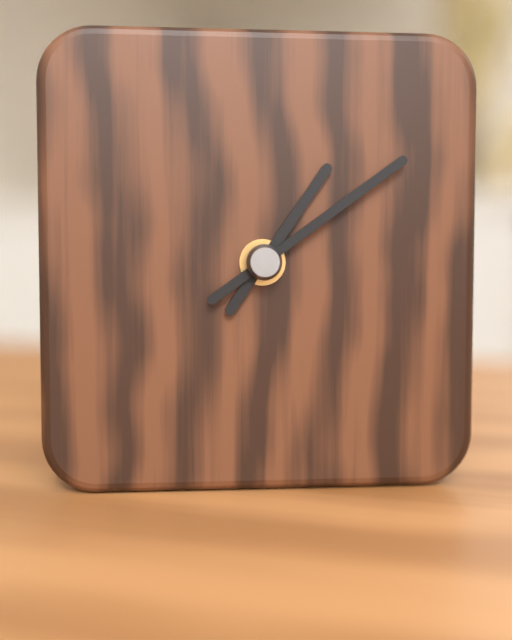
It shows 1h09
